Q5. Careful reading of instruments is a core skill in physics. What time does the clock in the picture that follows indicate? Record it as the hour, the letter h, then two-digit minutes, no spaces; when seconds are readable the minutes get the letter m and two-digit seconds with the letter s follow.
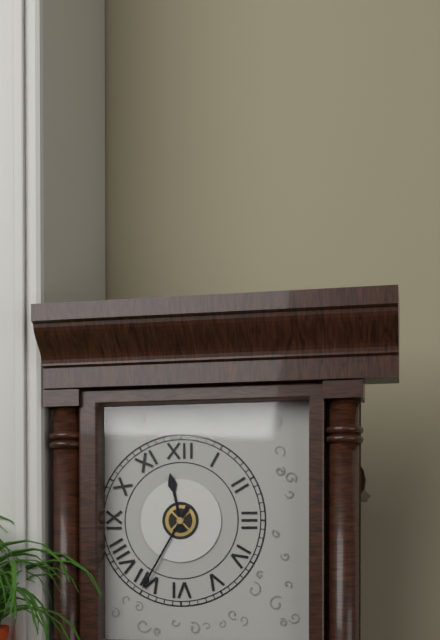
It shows 11h35
